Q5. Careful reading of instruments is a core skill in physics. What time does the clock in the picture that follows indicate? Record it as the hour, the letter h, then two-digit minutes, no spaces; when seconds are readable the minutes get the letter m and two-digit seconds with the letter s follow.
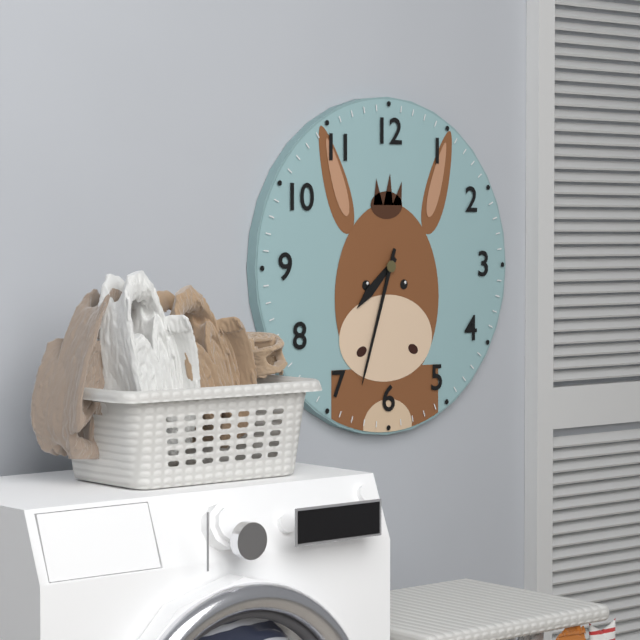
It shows 7h33
